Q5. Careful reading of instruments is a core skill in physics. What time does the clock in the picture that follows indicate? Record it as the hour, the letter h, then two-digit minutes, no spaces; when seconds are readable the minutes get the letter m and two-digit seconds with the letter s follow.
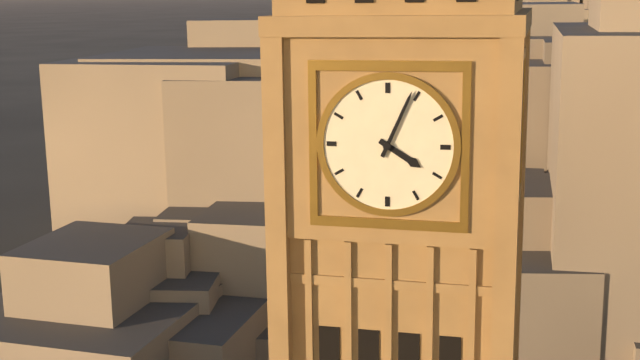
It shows 4h04
